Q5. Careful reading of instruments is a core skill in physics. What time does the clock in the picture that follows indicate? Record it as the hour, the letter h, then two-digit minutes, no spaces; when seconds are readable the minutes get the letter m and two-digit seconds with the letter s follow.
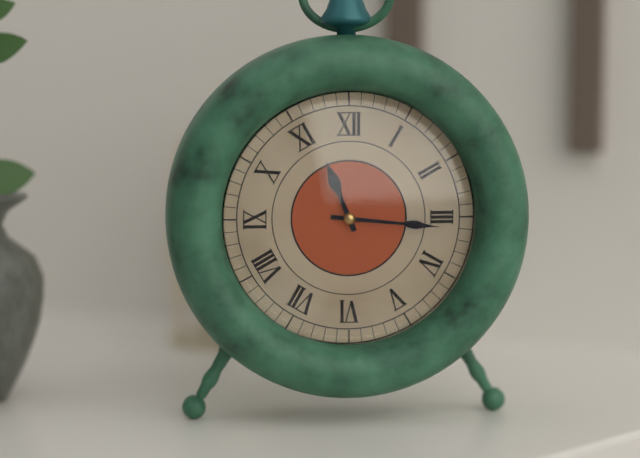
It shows 11h16
